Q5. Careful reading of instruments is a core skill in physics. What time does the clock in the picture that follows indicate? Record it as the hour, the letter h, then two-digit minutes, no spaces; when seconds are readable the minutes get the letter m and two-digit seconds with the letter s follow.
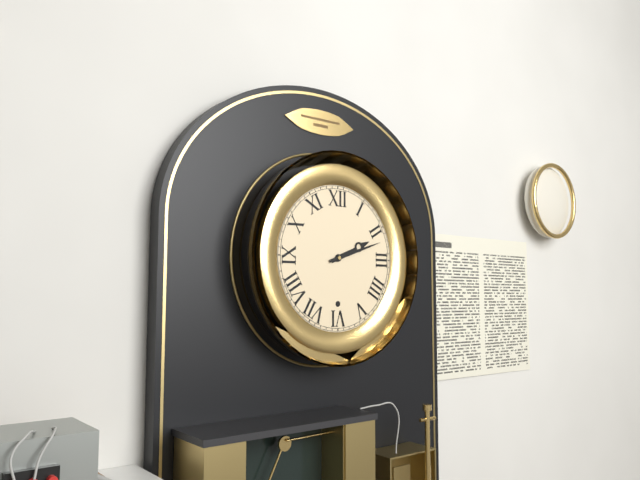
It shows 2h12
